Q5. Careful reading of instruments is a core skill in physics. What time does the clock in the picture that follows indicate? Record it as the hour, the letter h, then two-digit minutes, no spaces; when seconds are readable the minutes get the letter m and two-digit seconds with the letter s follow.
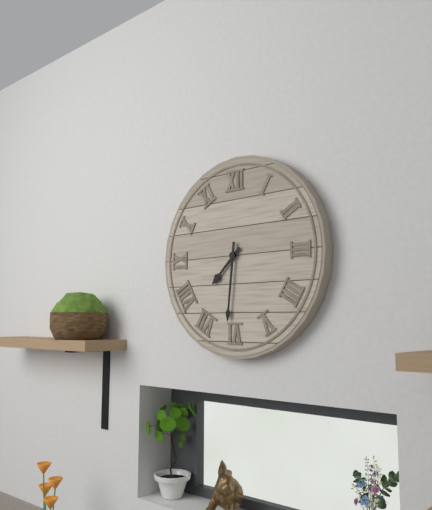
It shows 7h31
